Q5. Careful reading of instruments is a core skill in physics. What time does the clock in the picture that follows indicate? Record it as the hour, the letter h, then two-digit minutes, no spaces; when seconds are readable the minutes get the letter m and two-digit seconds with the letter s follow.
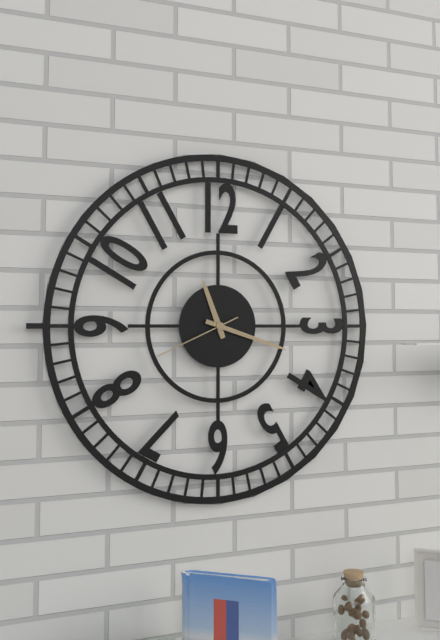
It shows 11h18m41s
